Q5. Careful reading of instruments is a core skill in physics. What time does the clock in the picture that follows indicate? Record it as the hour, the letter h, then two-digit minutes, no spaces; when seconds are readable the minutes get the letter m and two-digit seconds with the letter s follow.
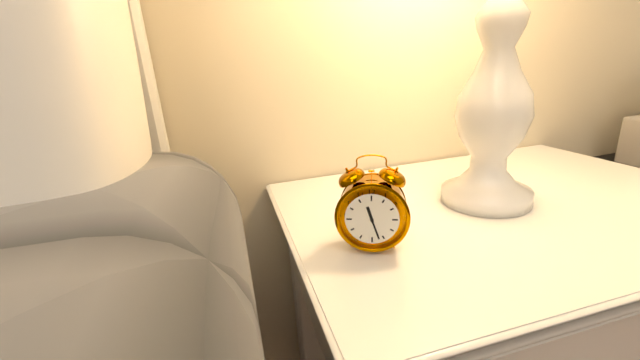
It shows 11h27
